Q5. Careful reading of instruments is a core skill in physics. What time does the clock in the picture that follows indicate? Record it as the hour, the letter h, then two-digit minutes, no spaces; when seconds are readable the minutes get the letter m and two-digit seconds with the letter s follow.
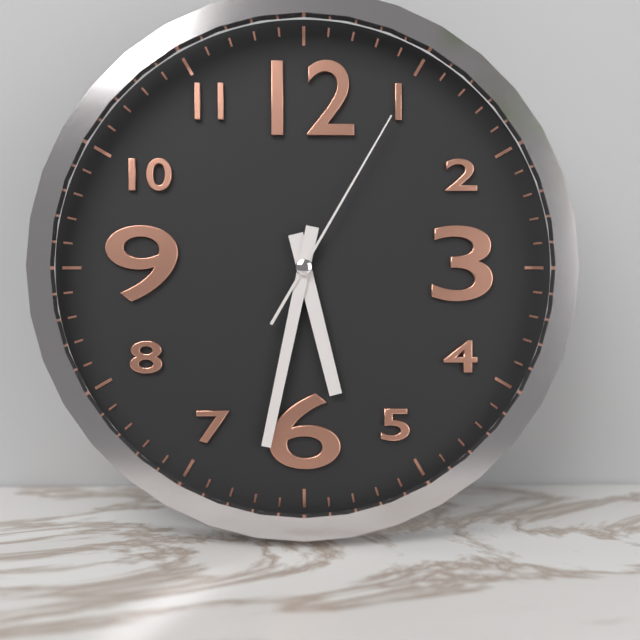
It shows 5h32m05s
